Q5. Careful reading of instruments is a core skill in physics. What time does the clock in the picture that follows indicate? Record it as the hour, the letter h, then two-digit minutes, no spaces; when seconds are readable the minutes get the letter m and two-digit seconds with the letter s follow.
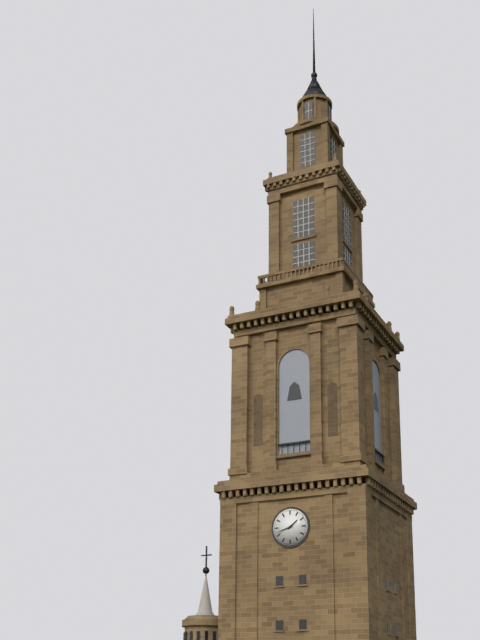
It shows 1h42
